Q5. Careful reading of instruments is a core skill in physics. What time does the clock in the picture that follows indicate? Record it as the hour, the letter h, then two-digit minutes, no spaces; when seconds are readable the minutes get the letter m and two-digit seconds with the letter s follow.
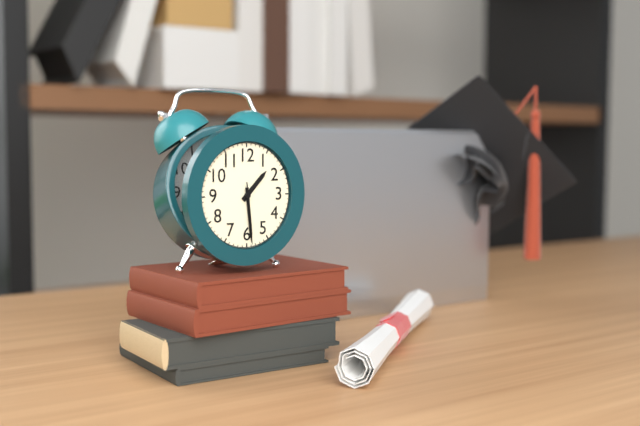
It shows 1h29m29s
